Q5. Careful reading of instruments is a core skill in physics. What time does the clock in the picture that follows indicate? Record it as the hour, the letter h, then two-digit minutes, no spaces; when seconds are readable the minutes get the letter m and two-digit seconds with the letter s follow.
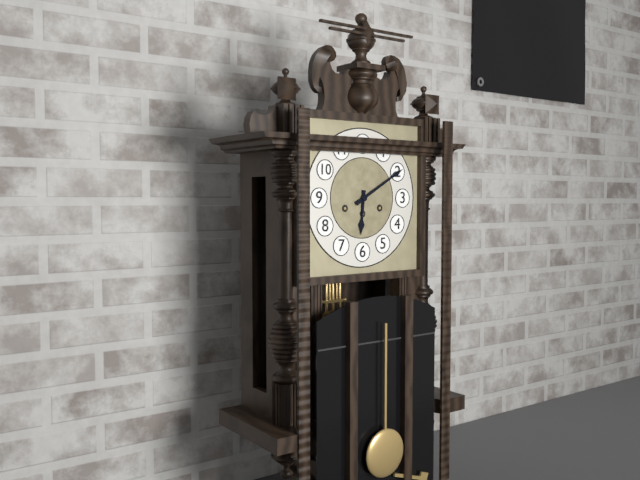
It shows 6h10
